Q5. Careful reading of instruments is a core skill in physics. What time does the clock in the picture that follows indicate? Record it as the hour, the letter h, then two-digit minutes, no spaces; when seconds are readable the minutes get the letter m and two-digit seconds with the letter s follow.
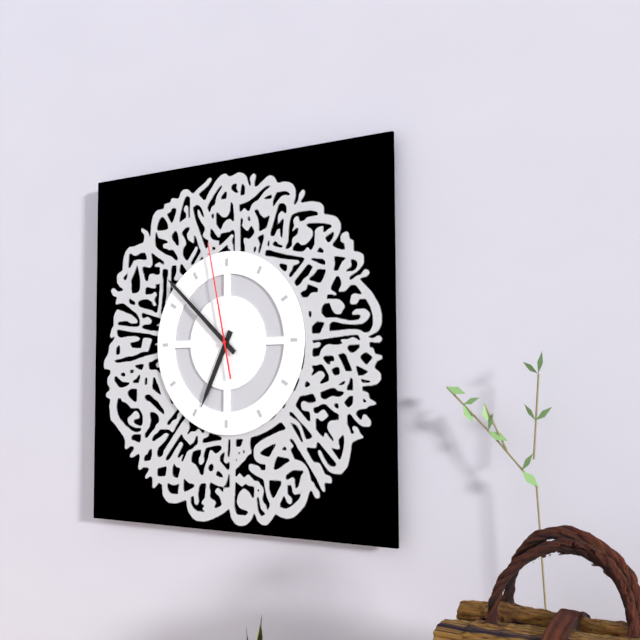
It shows 6h52m58s
